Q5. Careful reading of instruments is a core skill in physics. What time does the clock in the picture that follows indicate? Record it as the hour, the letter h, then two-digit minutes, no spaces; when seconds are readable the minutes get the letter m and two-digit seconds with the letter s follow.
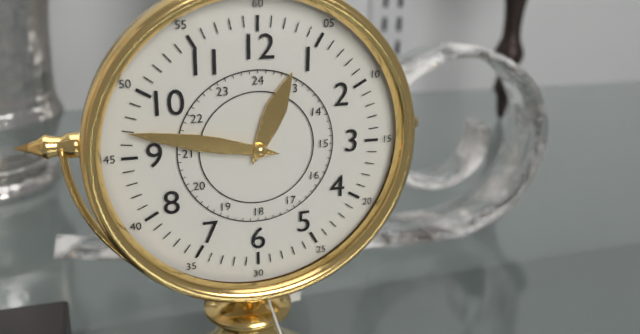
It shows 12h47
